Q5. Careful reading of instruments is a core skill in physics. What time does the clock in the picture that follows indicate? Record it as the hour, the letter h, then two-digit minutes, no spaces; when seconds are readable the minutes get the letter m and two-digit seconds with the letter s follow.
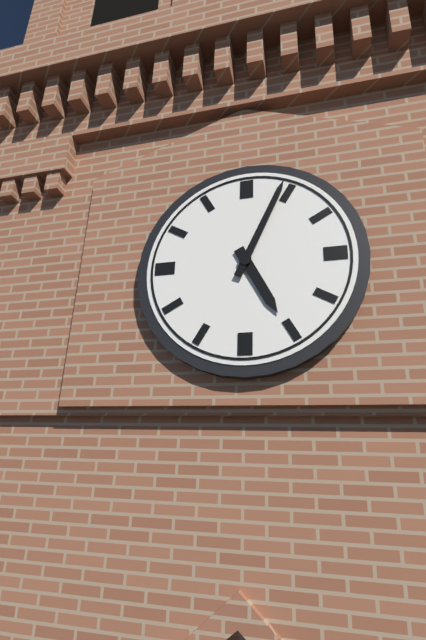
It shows 5h04
